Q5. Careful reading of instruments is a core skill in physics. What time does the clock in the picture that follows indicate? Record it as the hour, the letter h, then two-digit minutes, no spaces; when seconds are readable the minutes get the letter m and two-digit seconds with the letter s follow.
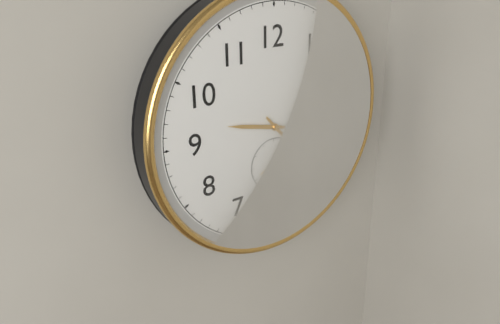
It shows 9h23
